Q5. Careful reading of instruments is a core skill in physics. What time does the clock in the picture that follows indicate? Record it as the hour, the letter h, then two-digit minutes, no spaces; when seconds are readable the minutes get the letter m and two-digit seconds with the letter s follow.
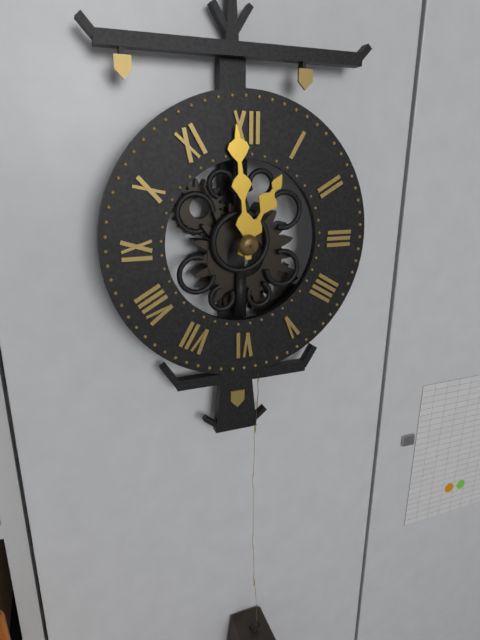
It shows 12h59
